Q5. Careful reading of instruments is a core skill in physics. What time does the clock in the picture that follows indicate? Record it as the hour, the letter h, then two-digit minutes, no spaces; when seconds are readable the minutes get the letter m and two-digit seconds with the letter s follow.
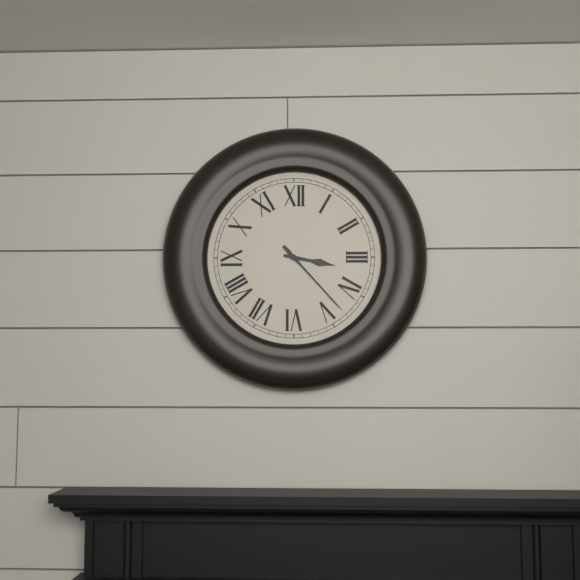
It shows 3h23
